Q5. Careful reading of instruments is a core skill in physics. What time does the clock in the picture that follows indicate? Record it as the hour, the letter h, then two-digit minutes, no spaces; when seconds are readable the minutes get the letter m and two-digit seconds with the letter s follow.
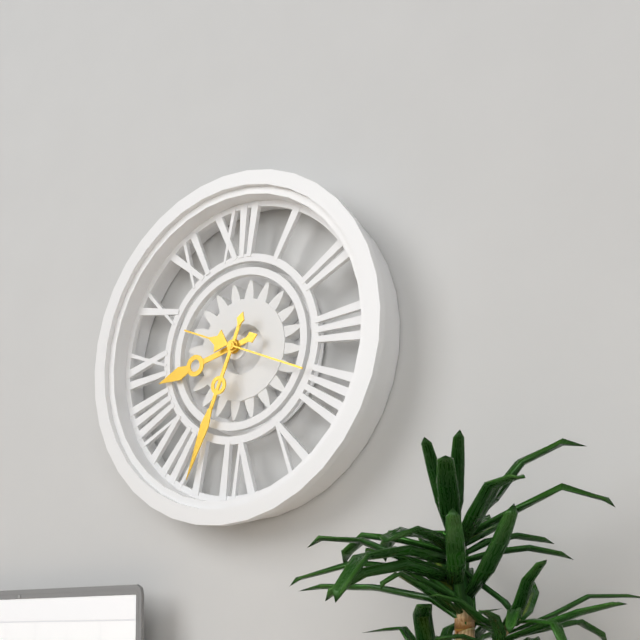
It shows 8h34m19s
